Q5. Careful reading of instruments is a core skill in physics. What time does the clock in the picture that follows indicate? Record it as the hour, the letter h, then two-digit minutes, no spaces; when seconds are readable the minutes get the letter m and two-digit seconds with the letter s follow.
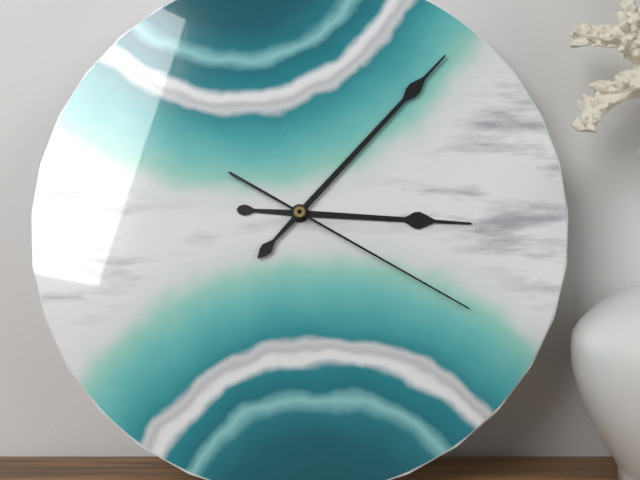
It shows 3h07m20s
